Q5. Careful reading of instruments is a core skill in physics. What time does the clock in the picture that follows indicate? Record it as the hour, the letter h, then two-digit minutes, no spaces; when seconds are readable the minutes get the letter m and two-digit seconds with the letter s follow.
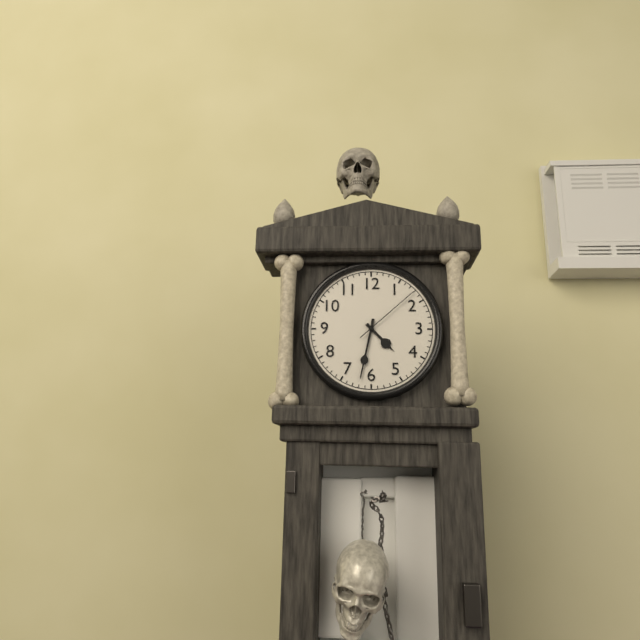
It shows 4h32m08s
